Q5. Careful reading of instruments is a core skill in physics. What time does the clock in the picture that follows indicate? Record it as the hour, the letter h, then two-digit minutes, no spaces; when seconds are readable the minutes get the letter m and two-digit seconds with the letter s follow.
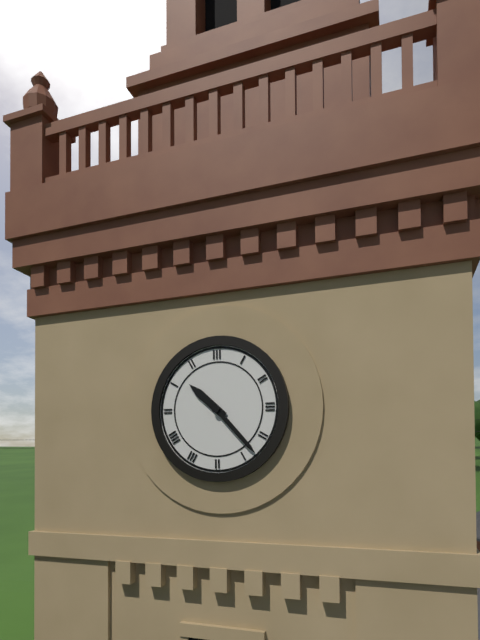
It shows 10h23
